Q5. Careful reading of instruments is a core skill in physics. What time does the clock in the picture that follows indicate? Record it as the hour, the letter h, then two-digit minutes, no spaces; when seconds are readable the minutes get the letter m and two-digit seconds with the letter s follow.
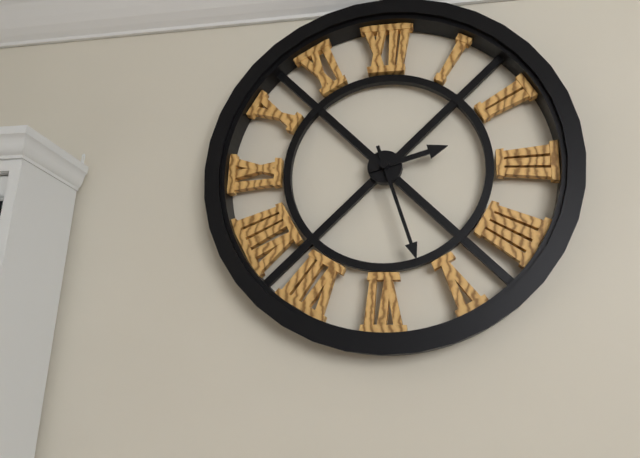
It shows 2h27
